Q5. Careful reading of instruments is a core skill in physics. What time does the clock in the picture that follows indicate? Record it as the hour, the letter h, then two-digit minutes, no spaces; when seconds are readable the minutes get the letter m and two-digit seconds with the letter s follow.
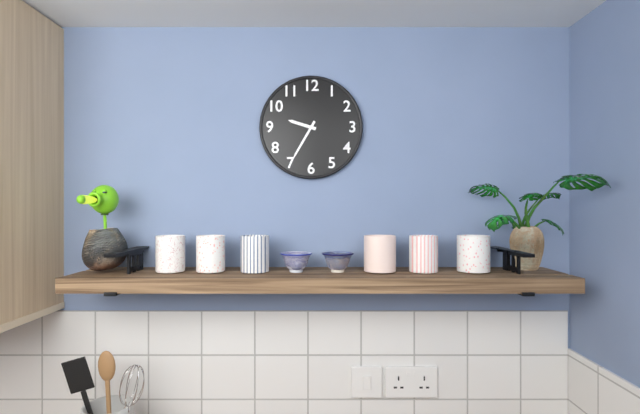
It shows 9h35
